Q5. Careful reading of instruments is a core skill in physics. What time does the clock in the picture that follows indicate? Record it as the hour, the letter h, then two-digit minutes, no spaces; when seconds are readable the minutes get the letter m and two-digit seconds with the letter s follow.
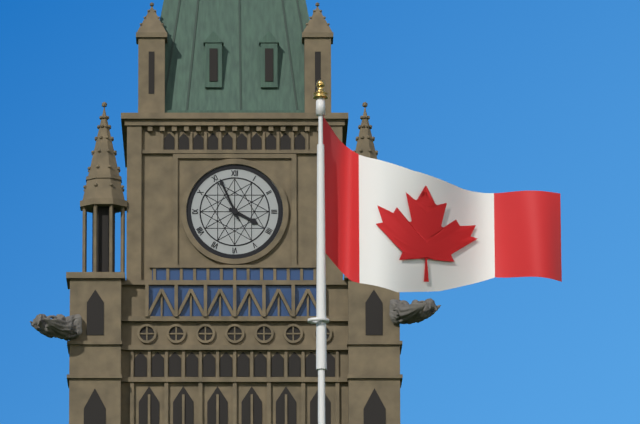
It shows 3h56
